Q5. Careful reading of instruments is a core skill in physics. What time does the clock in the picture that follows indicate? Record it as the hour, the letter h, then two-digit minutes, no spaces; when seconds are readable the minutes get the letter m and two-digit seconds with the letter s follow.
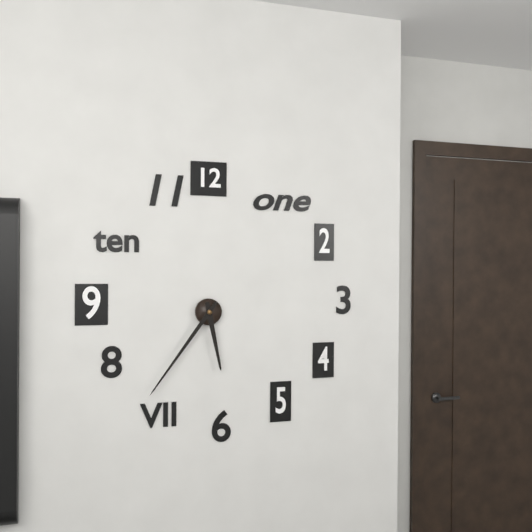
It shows 5h36
